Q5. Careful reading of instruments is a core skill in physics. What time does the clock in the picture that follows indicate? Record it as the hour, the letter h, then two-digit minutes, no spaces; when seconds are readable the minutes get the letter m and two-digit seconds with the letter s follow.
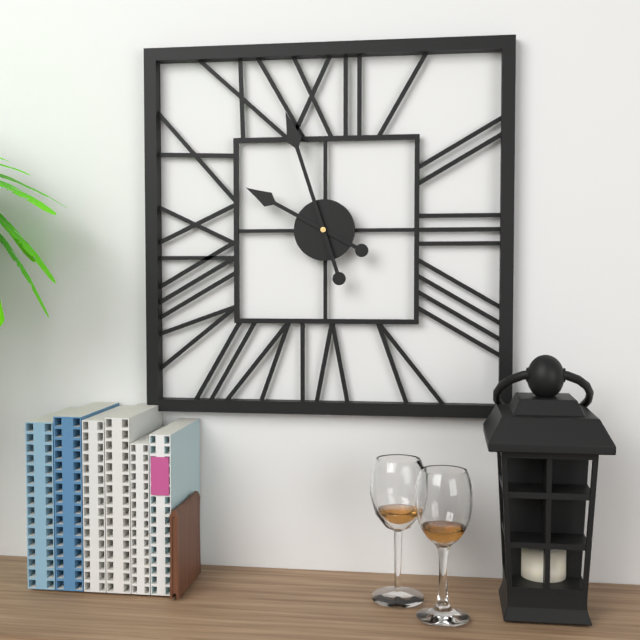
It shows 9h57
